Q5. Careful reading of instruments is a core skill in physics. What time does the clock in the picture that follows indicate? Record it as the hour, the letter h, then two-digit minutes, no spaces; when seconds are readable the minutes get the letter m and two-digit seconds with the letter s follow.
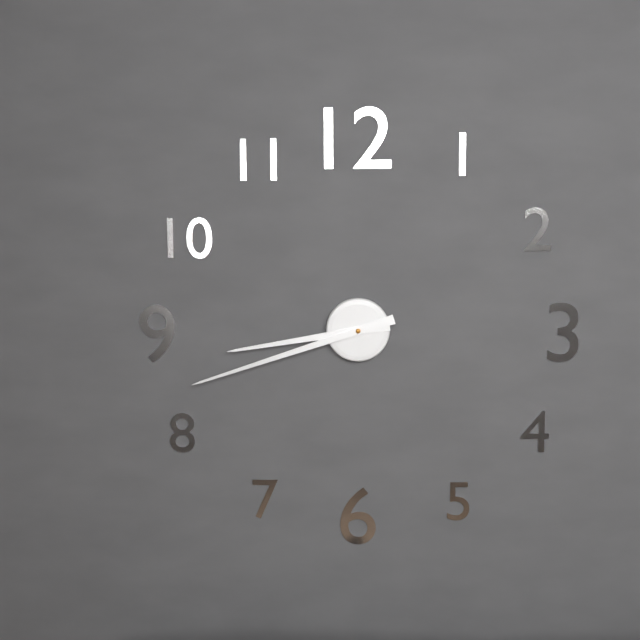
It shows 8h42
